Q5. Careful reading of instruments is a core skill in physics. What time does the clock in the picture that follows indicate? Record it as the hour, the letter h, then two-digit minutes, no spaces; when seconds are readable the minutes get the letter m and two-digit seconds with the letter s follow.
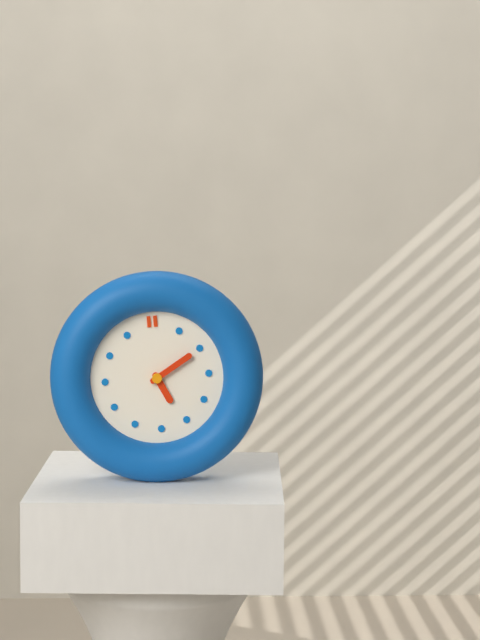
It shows 5h10
